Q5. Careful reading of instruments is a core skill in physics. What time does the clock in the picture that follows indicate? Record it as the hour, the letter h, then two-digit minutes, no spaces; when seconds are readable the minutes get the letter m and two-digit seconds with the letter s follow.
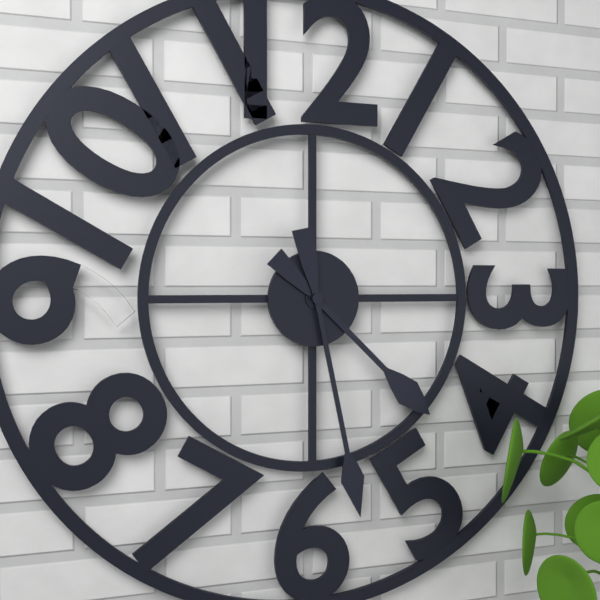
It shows 4h28
